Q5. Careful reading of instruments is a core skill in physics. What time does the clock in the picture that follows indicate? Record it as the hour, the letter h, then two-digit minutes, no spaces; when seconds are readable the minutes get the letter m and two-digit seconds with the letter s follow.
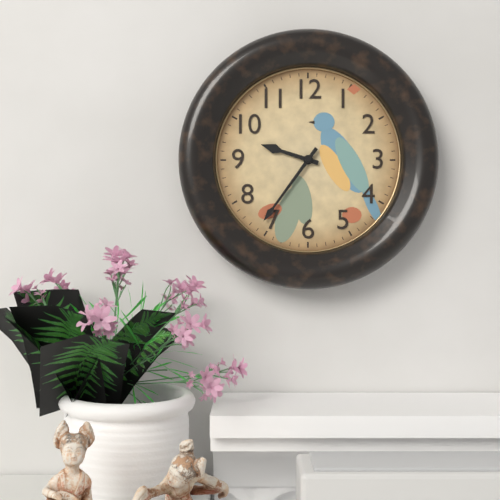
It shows 9h36
